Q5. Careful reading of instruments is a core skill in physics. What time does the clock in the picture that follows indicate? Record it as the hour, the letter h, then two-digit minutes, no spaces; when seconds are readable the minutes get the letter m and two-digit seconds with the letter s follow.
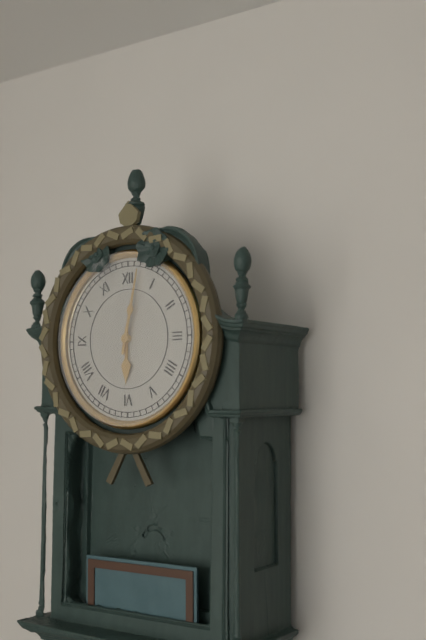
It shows 6h02
